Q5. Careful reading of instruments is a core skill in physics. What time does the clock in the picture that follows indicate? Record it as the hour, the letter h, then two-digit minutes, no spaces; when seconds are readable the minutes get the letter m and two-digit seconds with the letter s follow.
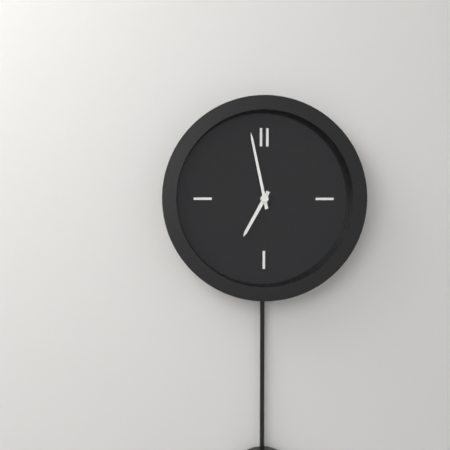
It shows 6h58
